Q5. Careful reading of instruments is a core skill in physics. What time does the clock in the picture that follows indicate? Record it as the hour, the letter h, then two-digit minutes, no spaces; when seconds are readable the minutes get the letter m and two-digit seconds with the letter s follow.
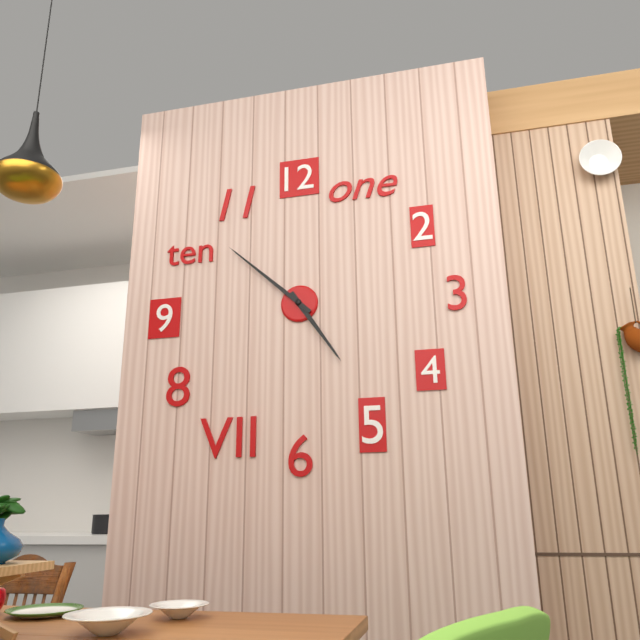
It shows 4h52
